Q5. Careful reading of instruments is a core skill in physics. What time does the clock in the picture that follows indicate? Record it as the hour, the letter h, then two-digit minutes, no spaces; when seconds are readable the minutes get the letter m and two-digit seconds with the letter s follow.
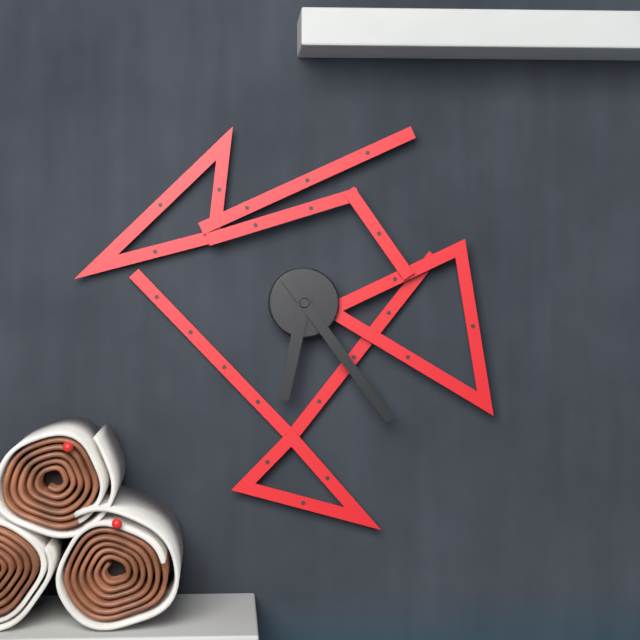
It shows 6h24
